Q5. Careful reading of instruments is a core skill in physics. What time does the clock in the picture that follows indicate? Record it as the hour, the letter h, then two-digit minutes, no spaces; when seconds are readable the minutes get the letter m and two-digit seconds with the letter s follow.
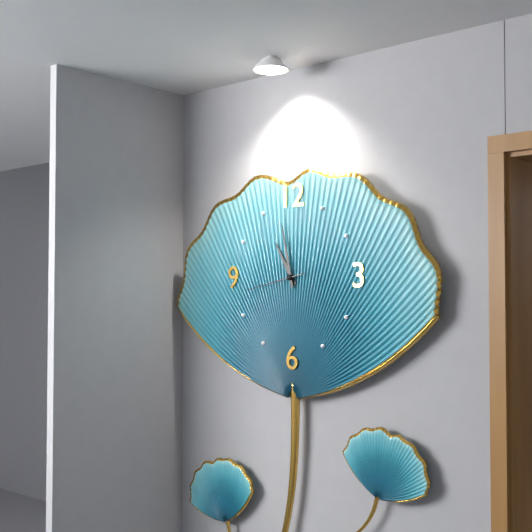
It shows 10h58m43s
